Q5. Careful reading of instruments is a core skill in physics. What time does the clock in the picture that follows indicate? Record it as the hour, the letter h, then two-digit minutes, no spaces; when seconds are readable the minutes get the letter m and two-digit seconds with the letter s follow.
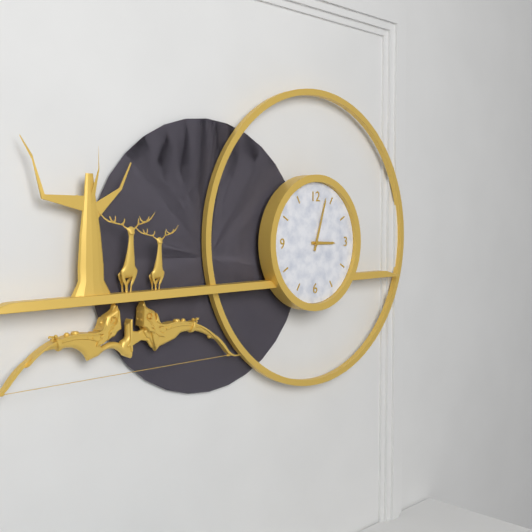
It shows 3h03
